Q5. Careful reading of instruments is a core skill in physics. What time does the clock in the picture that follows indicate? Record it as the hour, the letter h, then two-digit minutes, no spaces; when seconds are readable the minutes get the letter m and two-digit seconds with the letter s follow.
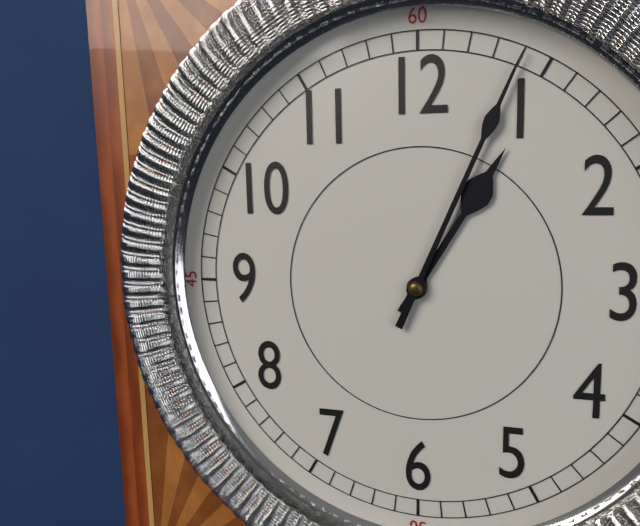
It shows 1h04
